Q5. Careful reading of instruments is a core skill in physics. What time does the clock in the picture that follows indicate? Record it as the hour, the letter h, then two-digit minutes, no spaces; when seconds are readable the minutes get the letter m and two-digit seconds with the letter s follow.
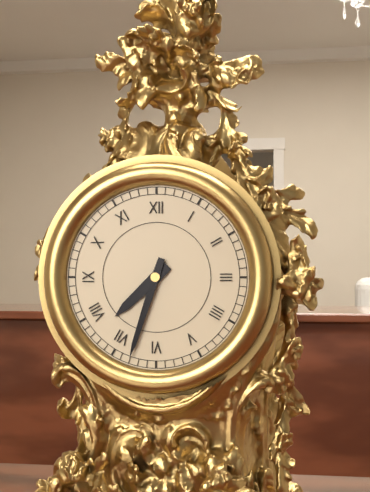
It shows 7h33
